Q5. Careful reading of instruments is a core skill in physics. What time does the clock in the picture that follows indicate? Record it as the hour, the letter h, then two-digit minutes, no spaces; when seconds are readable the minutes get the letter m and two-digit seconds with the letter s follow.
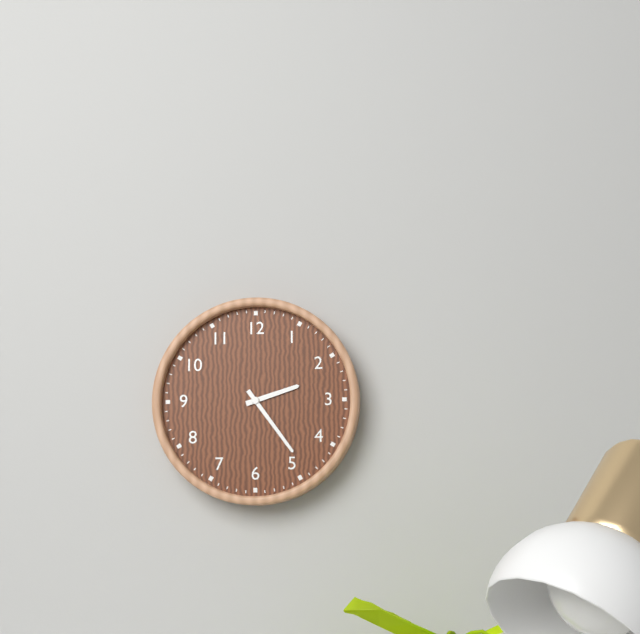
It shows 2h24
